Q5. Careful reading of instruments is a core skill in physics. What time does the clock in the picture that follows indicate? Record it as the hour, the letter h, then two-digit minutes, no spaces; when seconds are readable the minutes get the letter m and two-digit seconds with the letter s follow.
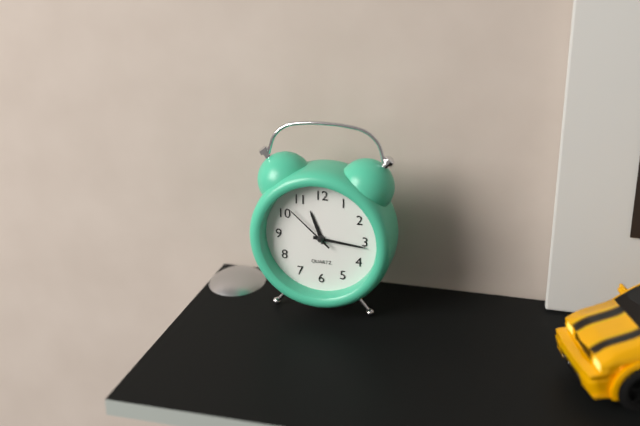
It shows 11h16m52s
